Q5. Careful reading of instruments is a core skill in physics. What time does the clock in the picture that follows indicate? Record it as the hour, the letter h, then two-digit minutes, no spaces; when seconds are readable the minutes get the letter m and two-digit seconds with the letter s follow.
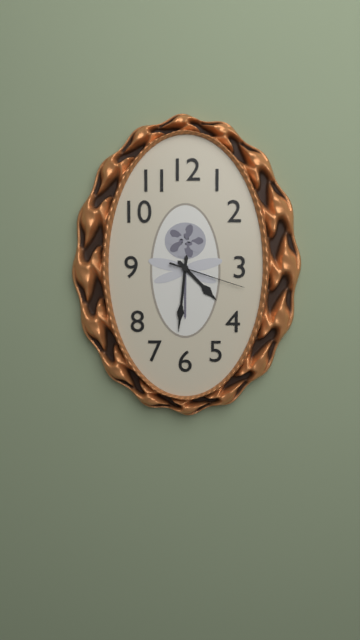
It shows 4h31m18s
